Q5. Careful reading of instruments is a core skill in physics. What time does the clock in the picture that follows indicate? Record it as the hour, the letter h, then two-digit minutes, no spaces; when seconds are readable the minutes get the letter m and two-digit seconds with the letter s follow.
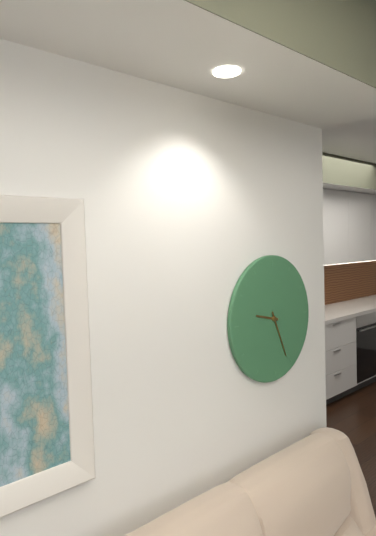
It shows 9h26
